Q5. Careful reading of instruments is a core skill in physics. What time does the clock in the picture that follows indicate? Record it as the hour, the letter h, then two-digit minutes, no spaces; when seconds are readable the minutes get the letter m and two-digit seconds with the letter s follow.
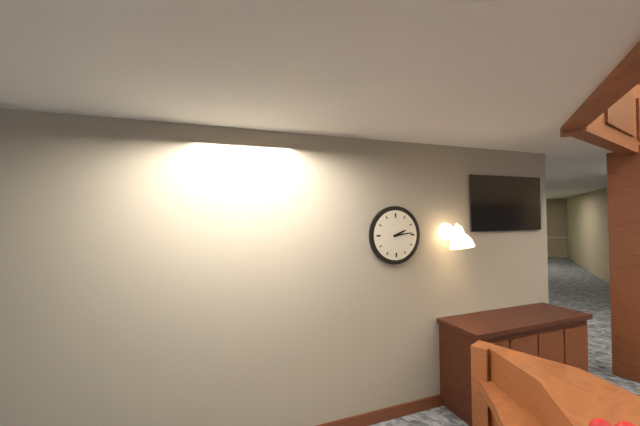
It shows 2h14
